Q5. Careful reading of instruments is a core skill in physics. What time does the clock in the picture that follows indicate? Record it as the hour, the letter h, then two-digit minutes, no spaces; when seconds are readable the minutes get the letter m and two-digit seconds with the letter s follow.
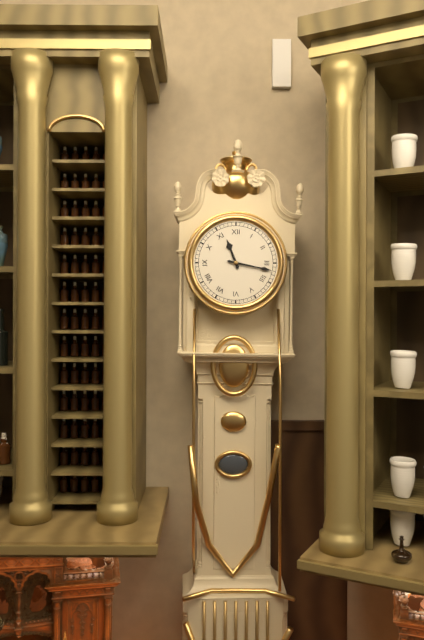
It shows 11h17
